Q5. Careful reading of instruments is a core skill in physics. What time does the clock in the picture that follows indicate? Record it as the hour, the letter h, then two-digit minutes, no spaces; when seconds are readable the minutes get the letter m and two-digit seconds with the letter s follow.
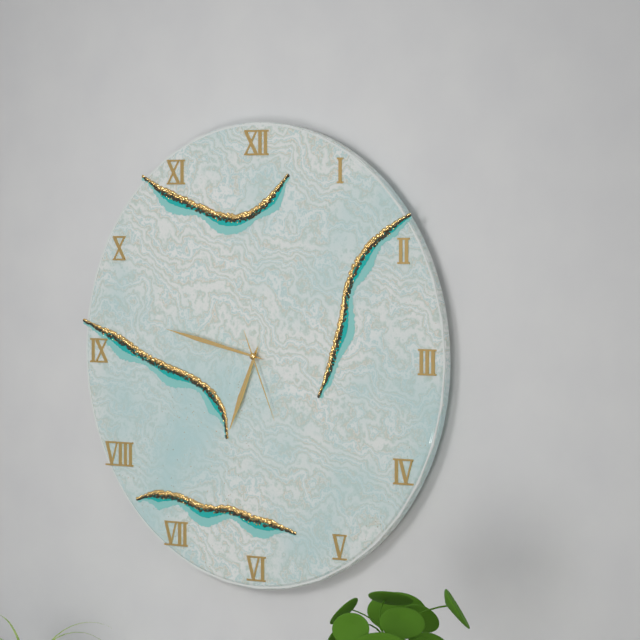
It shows 6h47m26s
